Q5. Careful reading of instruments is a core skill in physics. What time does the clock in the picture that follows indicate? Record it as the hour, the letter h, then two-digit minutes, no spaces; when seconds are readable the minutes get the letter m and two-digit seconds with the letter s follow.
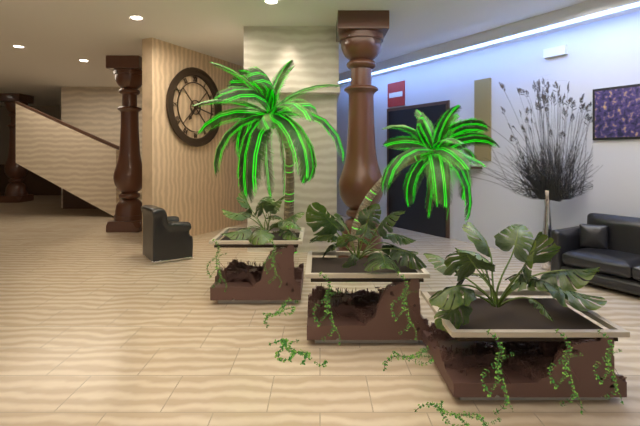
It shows 7h17
